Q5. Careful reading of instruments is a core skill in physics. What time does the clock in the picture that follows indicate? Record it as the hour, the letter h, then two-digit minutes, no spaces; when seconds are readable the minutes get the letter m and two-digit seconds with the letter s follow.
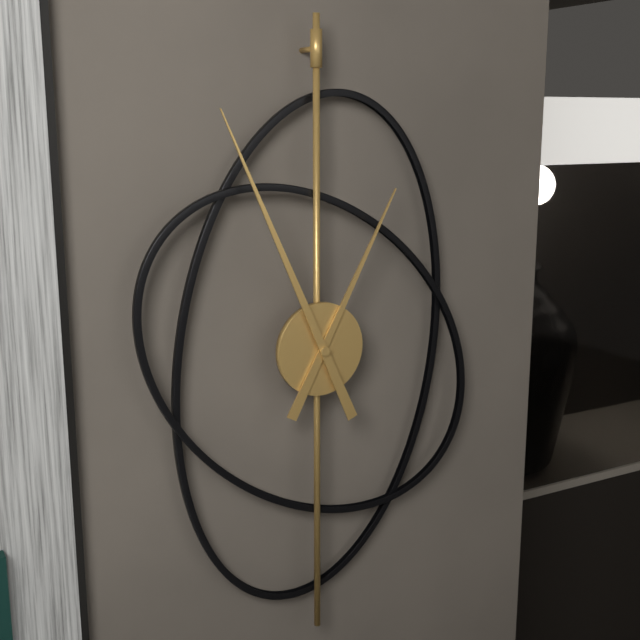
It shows 12h56
